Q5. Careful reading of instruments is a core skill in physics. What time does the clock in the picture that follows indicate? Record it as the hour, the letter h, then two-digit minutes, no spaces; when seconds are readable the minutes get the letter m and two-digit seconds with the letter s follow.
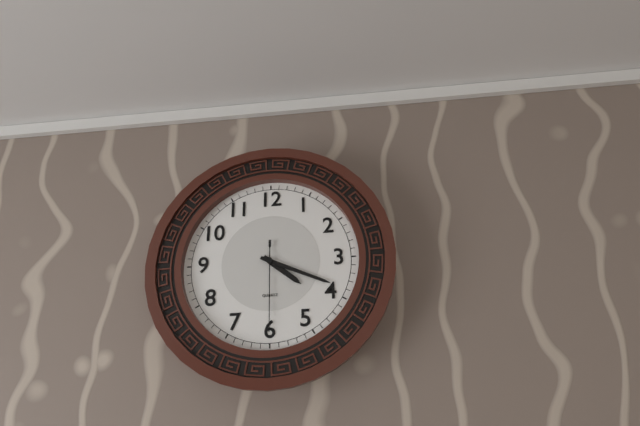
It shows 4h19m30s
